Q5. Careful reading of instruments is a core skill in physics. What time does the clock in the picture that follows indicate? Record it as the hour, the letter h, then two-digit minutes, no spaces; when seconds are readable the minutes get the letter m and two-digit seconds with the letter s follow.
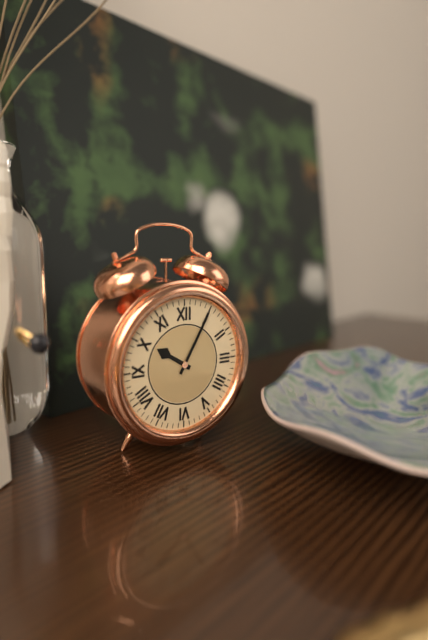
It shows 10h05
